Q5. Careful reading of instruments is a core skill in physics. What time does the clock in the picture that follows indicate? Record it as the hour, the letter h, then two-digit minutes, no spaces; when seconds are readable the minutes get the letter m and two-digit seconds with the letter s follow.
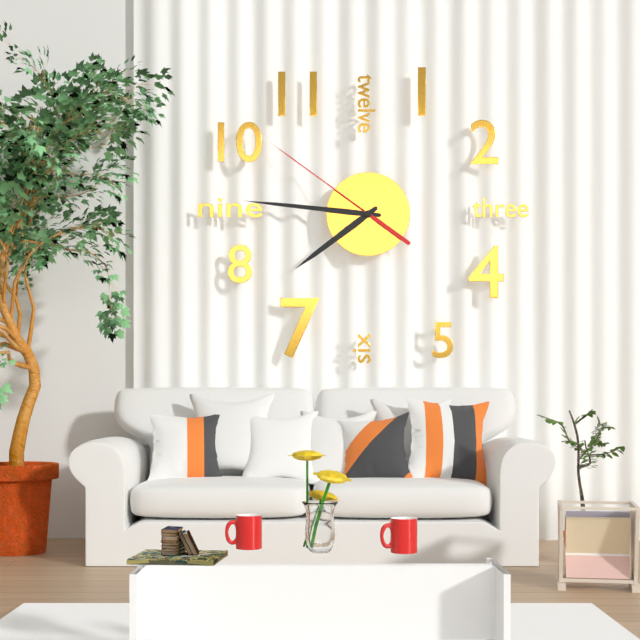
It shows 7h46m51s
